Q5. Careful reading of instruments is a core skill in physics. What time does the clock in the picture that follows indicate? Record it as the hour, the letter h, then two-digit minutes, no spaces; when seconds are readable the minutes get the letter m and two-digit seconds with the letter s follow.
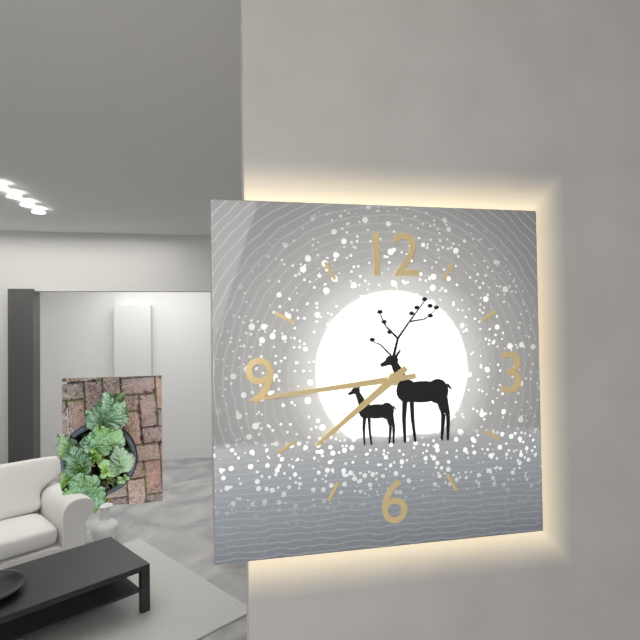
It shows 7h44
